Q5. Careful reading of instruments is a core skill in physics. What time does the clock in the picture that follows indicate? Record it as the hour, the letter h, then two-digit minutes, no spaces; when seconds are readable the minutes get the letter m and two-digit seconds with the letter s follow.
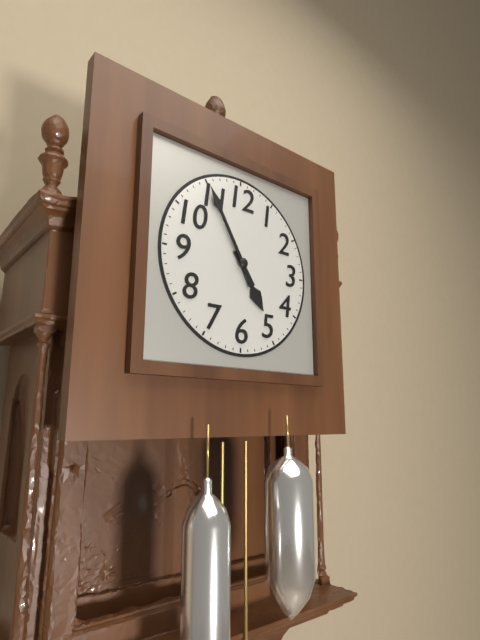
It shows 4h55
